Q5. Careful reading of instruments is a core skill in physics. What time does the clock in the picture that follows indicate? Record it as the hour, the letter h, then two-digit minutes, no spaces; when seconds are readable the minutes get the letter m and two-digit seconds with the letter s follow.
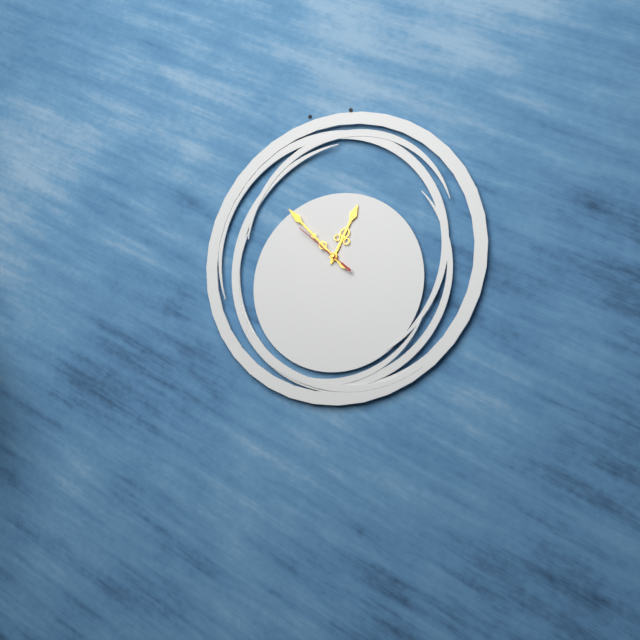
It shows 12h53m52s
